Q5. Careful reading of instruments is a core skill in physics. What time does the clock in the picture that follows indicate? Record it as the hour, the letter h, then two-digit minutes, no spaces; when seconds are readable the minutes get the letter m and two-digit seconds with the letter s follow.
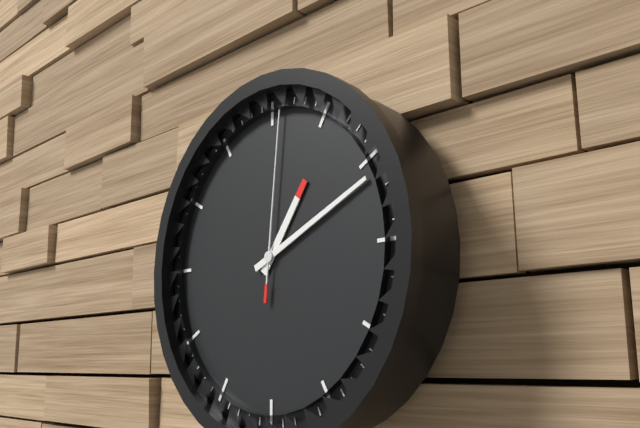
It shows 1h11m01s
